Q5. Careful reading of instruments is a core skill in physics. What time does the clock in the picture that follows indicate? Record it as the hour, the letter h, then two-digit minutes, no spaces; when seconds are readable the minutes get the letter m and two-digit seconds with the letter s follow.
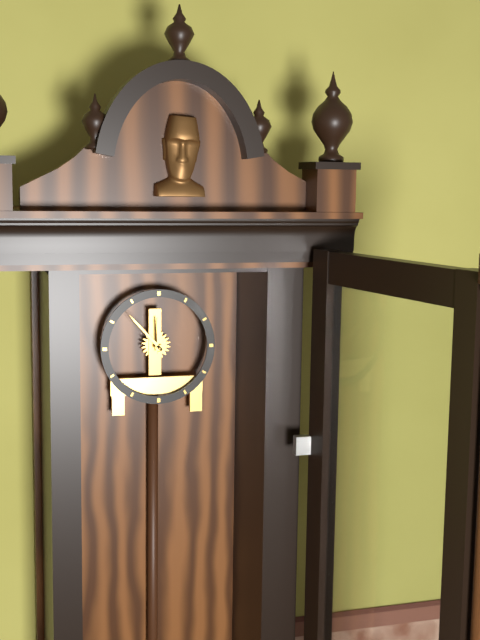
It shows 11h53
